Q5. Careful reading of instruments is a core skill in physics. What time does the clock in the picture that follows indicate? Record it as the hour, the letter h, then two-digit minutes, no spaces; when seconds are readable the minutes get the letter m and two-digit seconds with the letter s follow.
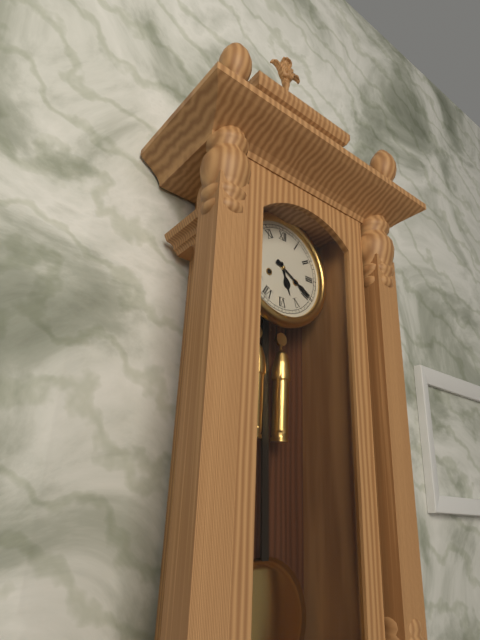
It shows 5h20
